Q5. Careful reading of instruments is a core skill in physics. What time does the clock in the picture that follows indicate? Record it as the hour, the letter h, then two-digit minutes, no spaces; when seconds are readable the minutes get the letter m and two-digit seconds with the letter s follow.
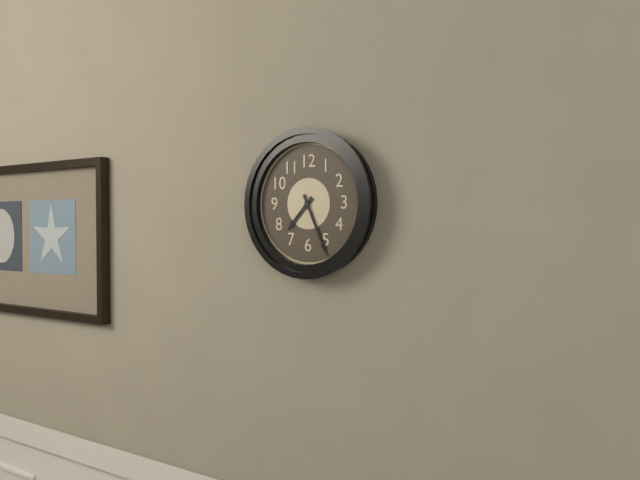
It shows 7h26
